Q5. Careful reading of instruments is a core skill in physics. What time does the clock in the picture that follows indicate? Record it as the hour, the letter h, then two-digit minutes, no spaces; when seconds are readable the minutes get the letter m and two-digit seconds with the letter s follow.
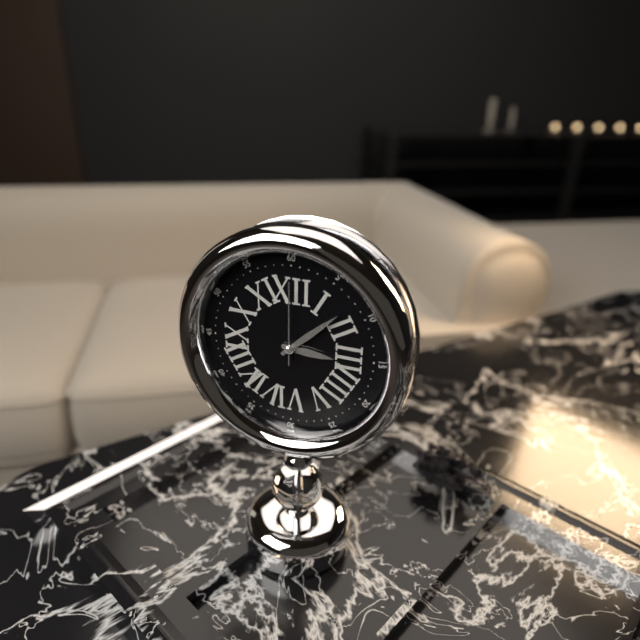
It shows 3h08m00s
